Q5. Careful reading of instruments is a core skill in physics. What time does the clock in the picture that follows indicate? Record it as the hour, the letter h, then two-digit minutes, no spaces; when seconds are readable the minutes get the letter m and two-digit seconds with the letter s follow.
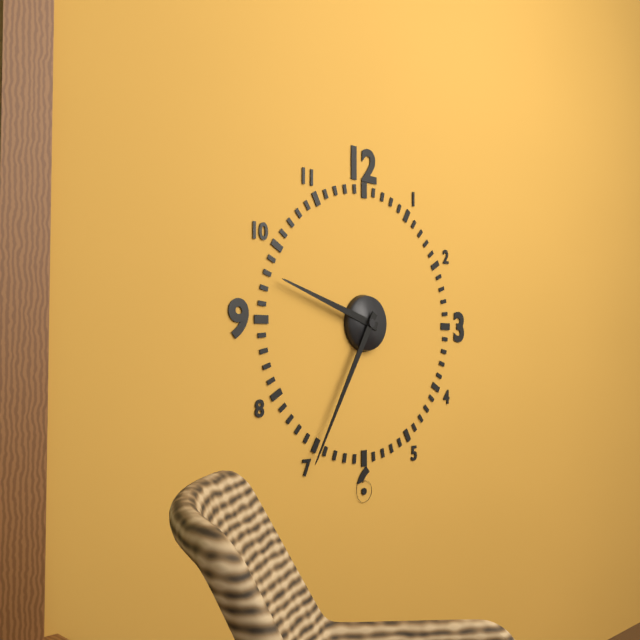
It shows 9h35
